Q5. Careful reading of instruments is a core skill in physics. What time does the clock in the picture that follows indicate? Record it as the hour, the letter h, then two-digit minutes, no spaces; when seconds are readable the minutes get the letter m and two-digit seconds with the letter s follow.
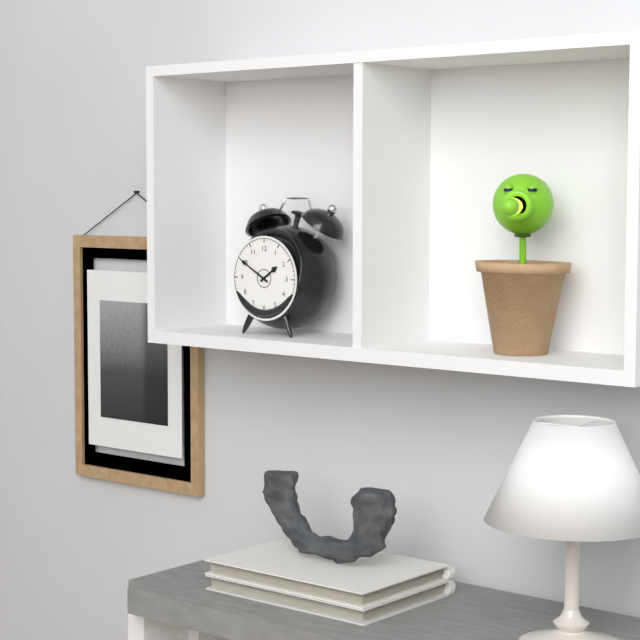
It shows 1h50
